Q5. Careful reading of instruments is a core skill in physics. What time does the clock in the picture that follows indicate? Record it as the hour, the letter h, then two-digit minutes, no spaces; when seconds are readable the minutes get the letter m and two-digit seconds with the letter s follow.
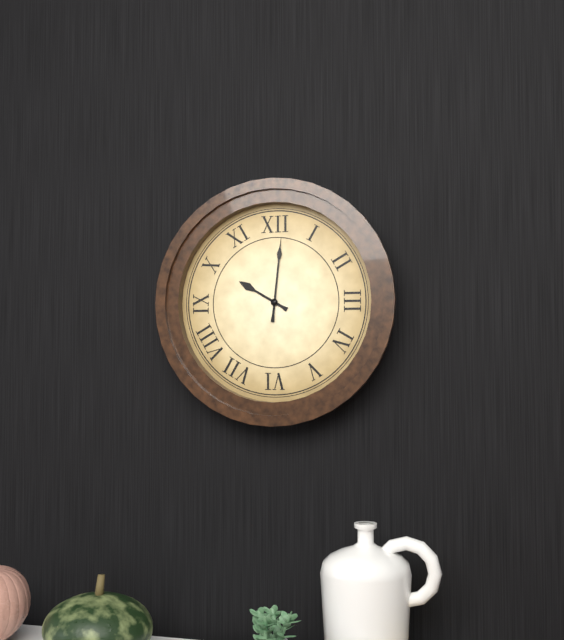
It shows 10h01
